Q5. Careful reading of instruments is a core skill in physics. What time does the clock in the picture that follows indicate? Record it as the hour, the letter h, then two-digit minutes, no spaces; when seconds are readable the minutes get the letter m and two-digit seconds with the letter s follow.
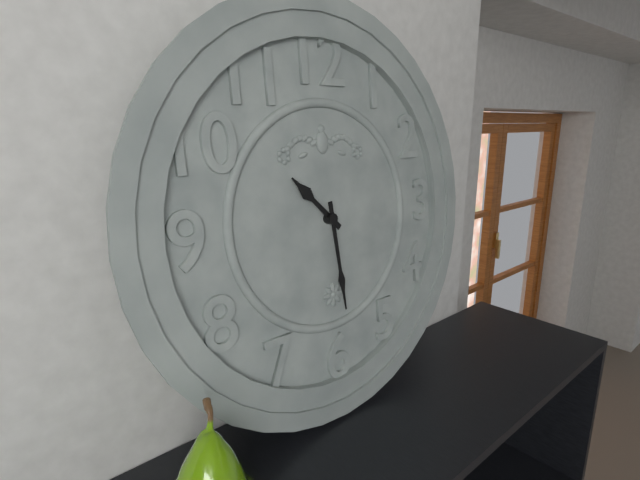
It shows 10h29
